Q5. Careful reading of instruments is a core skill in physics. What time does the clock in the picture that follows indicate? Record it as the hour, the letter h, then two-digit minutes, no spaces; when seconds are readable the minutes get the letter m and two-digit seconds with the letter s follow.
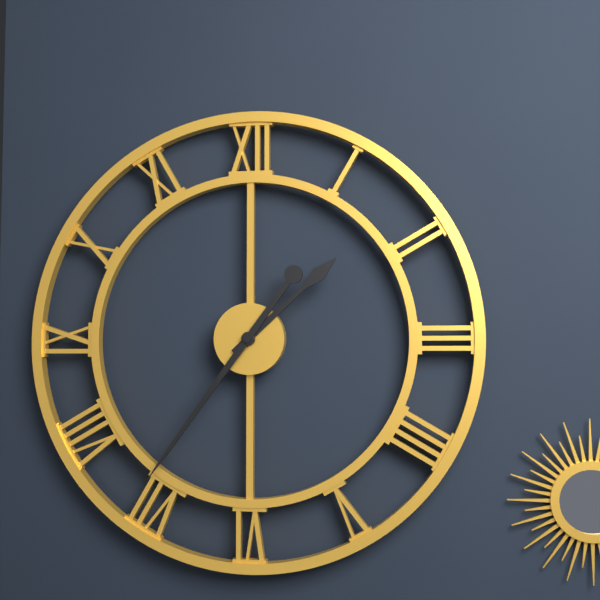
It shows 1h36
